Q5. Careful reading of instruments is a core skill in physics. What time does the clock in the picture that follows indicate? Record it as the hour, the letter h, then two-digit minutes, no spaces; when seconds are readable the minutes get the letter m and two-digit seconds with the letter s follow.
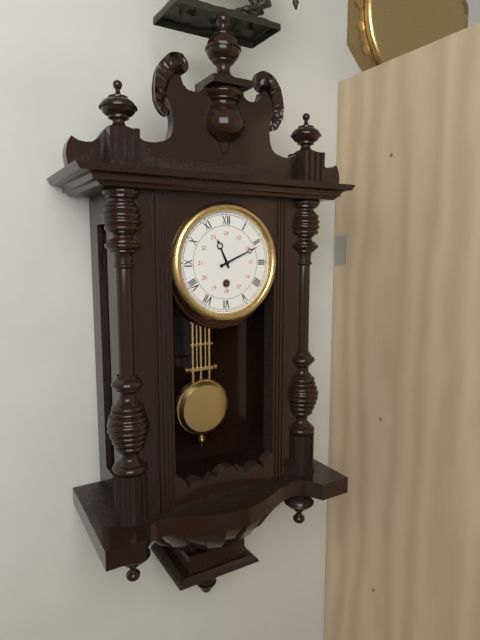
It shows 11h11
